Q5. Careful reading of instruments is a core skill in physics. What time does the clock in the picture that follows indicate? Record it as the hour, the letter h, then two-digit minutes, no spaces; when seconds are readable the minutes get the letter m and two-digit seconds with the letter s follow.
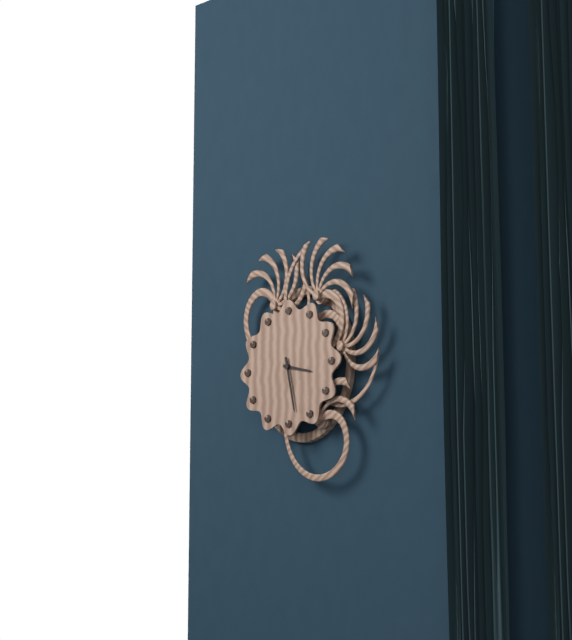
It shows 3h28
